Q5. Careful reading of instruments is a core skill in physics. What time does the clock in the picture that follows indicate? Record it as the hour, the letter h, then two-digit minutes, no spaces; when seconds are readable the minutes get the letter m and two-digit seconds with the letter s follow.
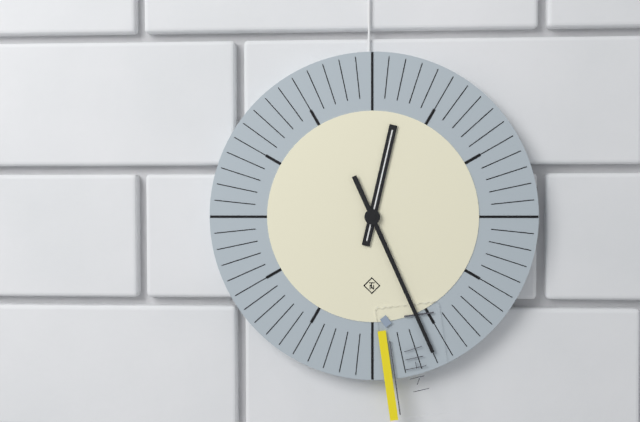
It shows 12h26
